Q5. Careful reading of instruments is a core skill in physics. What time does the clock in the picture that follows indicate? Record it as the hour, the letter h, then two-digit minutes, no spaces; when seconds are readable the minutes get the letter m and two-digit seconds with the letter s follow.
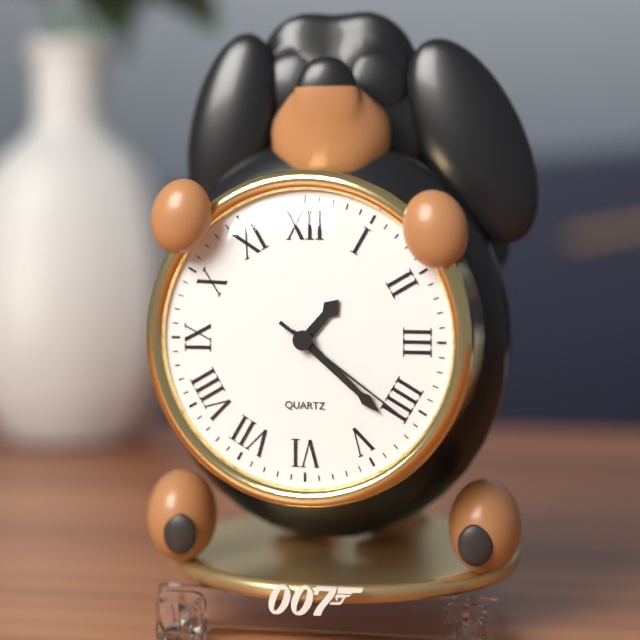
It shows 1h22m21s
